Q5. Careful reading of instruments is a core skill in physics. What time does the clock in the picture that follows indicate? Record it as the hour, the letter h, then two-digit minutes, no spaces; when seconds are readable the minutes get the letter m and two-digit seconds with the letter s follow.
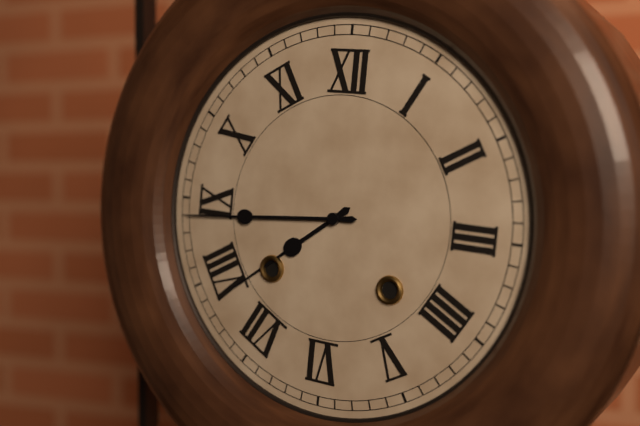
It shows 7h44
